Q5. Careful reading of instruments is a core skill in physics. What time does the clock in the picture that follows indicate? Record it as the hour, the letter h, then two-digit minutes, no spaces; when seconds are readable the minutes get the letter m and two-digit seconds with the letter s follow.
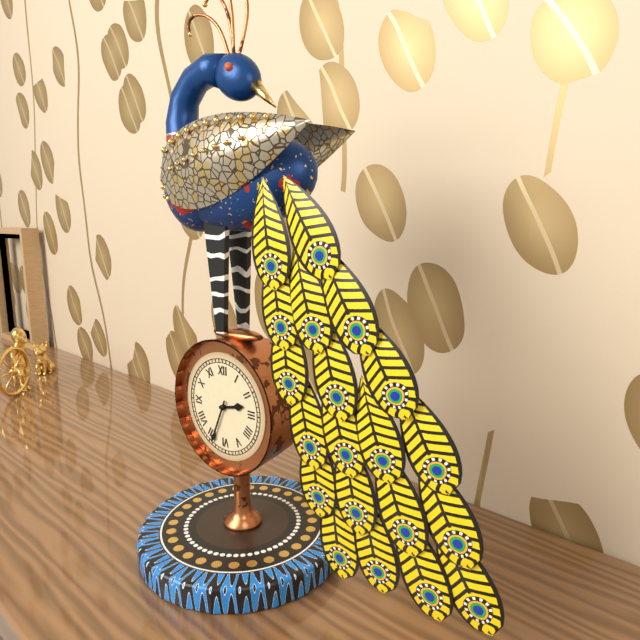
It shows 2h34
